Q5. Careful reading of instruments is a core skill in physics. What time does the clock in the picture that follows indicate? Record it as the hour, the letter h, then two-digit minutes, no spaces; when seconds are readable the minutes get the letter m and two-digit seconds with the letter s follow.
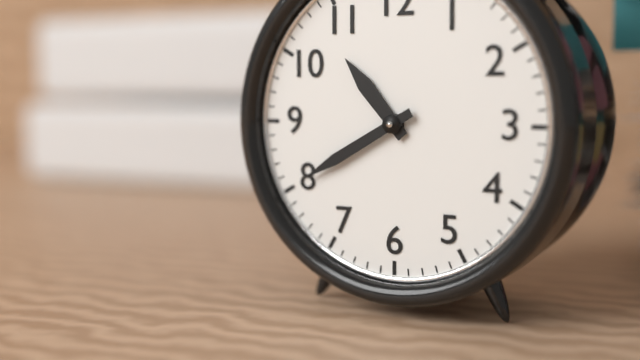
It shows 10h40
